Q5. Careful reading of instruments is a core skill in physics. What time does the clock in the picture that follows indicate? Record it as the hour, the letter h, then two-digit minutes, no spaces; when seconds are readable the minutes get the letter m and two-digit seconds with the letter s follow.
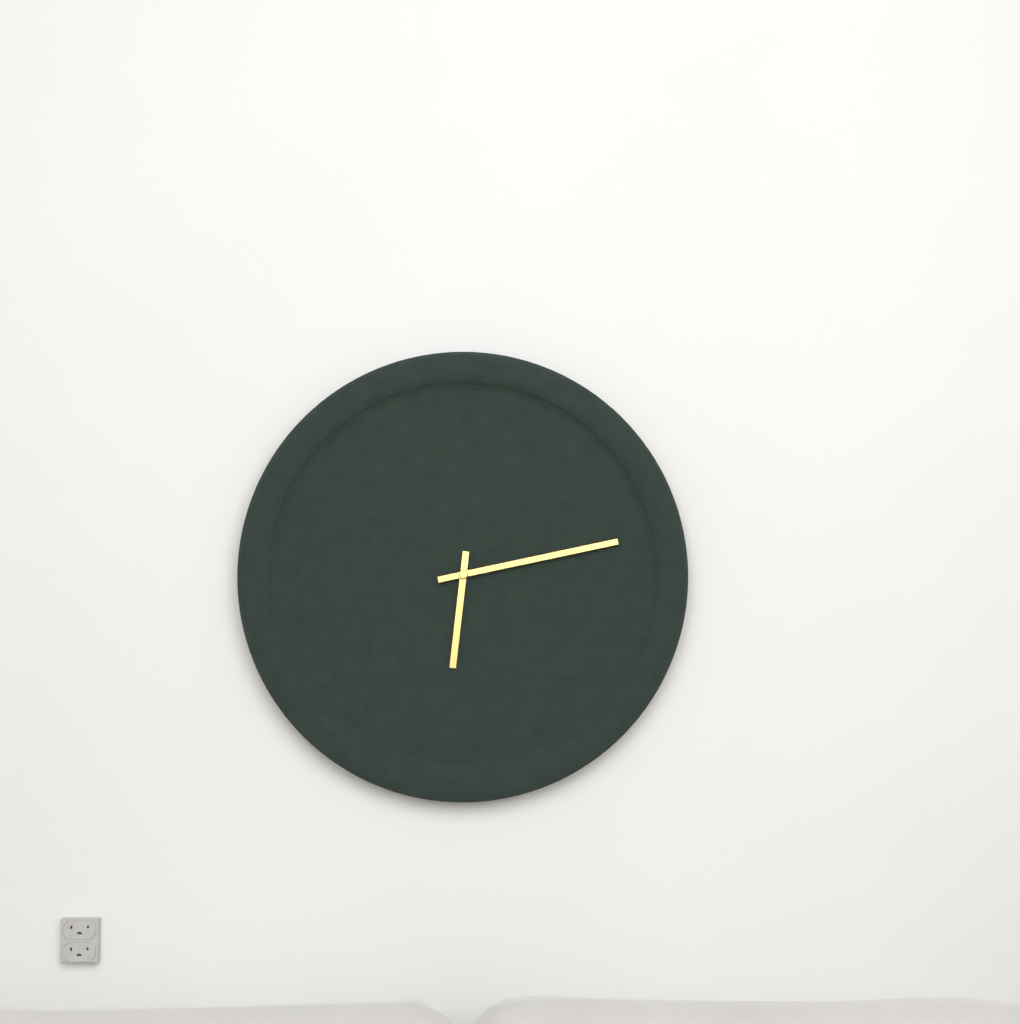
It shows 6h13
